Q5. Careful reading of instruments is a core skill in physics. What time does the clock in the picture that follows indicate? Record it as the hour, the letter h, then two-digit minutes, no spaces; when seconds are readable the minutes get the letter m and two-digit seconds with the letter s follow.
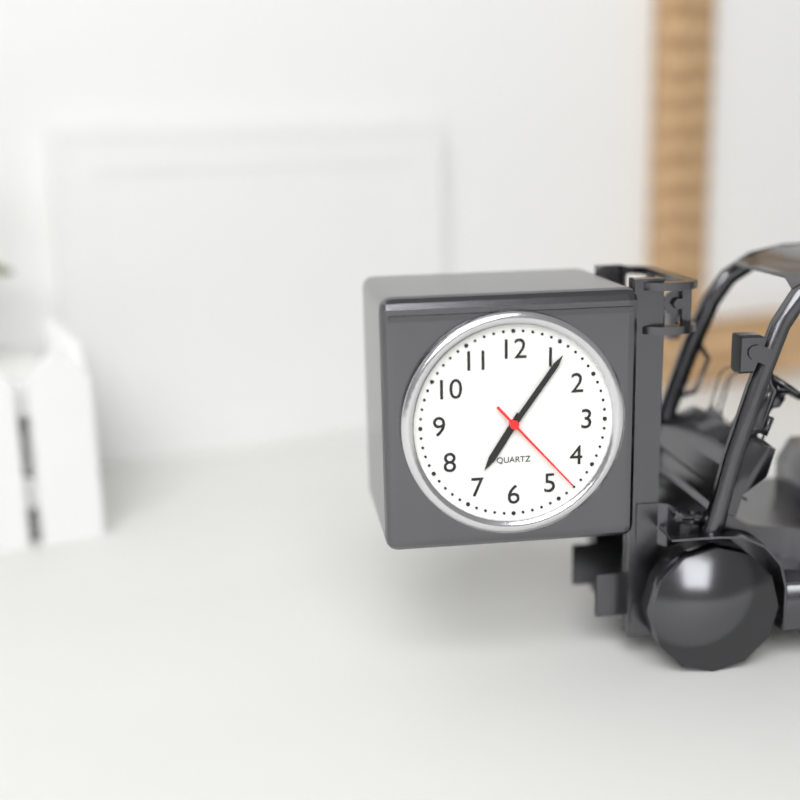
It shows 7h06m23s
